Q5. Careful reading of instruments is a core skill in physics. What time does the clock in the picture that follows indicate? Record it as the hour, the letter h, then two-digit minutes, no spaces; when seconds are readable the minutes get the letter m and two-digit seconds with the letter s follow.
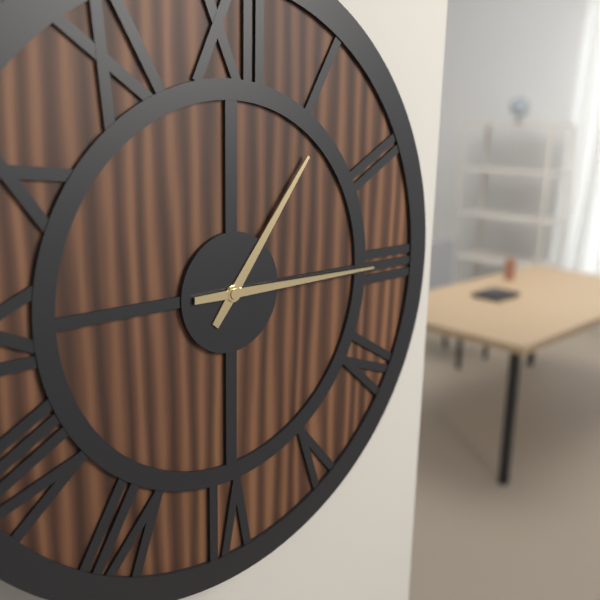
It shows 1h15
